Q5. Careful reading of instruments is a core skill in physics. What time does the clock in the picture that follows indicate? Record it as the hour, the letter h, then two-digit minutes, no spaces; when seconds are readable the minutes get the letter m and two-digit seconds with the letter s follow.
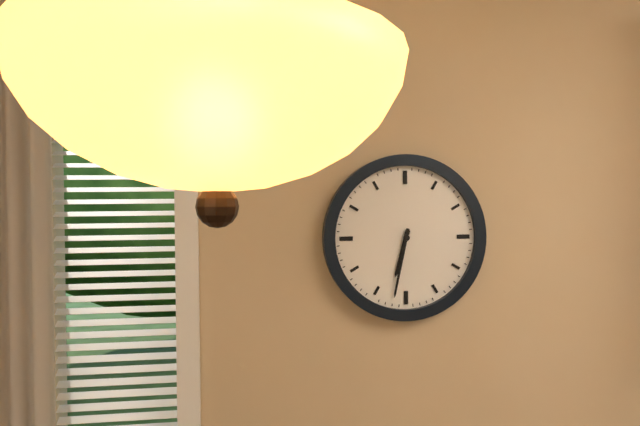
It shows 6h32
